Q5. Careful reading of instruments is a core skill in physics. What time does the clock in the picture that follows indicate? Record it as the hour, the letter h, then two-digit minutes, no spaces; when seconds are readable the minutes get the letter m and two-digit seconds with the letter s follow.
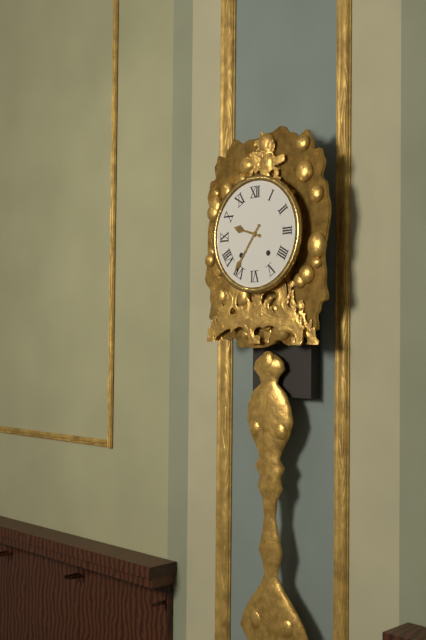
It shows 9h36
